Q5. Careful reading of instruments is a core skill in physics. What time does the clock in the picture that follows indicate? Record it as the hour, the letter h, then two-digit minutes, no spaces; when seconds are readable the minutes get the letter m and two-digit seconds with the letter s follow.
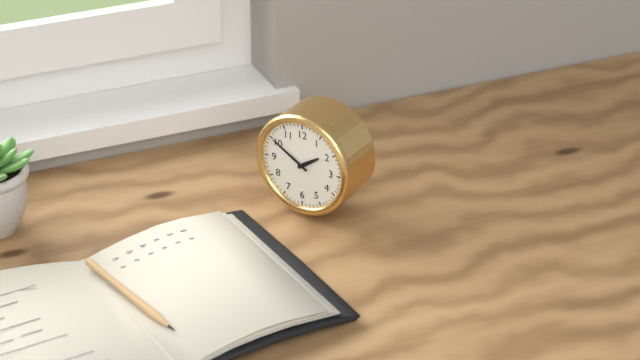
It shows 1h50
